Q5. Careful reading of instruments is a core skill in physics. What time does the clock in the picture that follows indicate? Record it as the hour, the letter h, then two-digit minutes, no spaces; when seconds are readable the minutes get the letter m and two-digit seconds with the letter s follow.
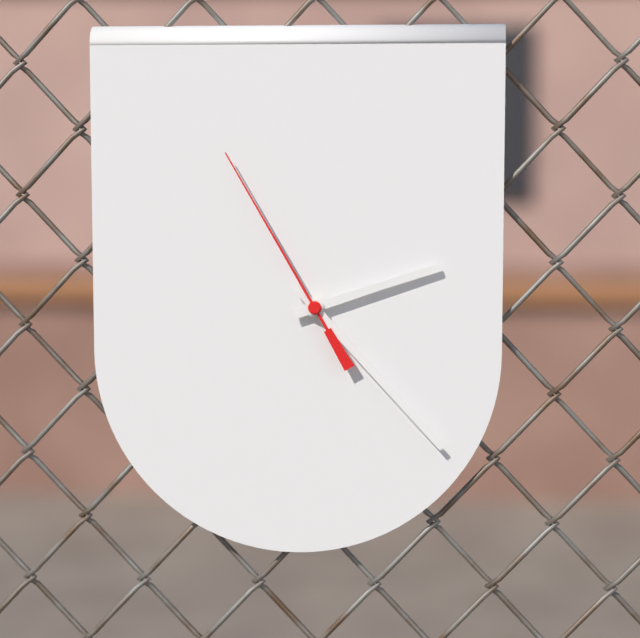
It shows 2h23m55s
